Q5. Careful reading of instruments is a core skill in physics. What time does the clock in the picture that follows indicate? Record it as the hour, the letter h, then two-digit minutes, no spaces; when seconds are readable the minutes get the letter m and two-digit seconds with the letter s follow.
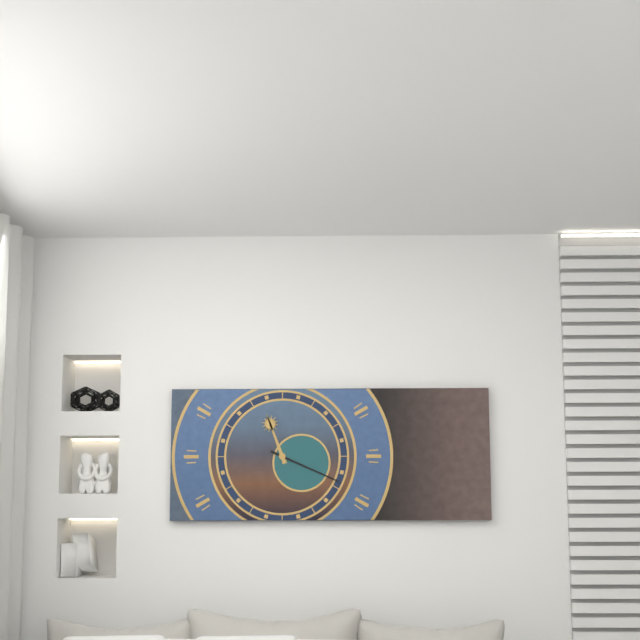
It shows 11h19
